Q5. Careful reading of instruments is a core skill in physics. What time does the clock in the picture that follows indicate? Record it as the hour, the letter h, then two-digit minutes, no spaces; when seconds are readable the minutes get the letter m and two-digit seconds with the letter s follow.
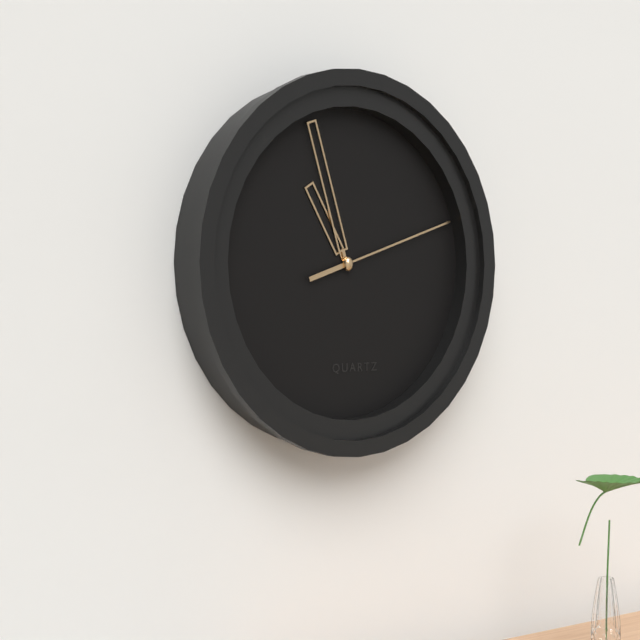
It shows 10h57m12s
